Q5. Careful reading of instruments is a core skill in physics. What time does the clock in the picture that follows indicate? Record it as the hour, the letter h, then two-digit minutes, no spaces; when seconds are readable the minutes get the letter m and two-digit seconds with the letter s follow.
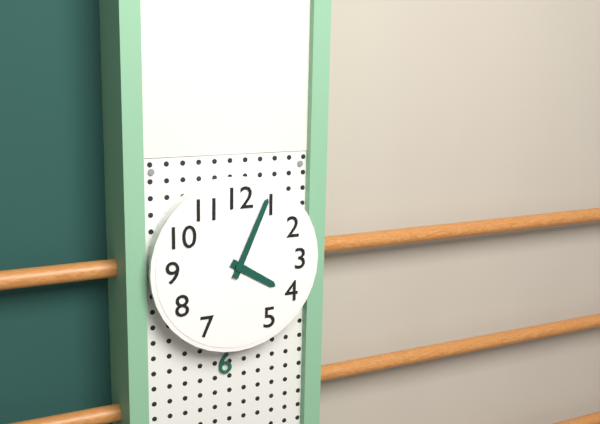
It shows 4h04
